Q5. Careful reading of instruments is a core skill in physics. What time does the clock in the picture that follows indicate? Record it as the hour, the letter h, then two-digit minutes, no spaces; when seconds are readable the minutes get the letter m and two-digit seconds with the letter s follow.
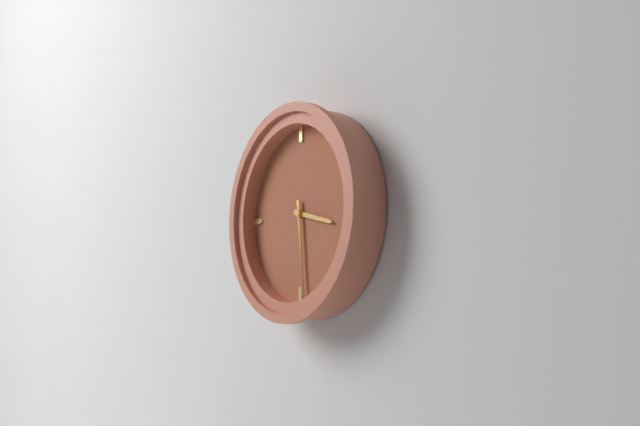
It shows 3h29
